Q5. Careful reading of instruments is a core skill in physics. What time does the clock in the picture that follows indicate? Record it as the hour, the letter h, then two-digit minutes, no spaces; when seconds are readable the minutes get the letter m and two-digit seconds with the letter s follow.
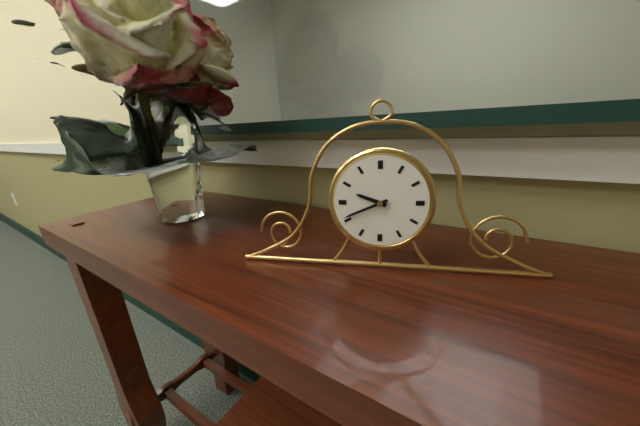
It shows 9h41
